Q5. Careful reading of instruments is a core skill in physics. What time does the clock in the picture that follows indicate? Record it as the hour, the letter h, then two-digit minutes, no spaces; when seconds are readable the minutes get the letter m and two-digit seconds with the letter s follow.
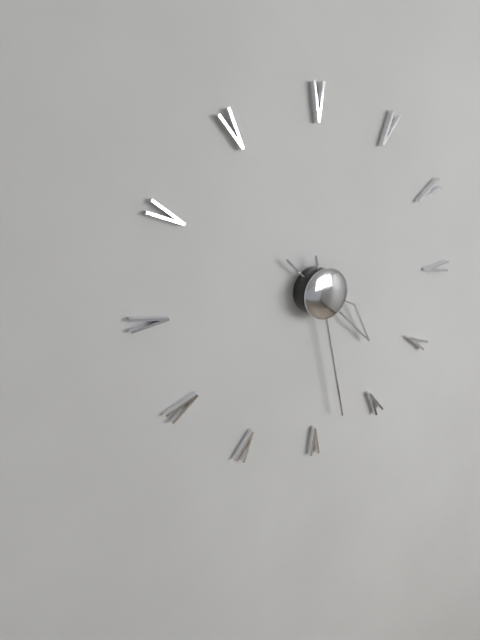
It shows 4h28
